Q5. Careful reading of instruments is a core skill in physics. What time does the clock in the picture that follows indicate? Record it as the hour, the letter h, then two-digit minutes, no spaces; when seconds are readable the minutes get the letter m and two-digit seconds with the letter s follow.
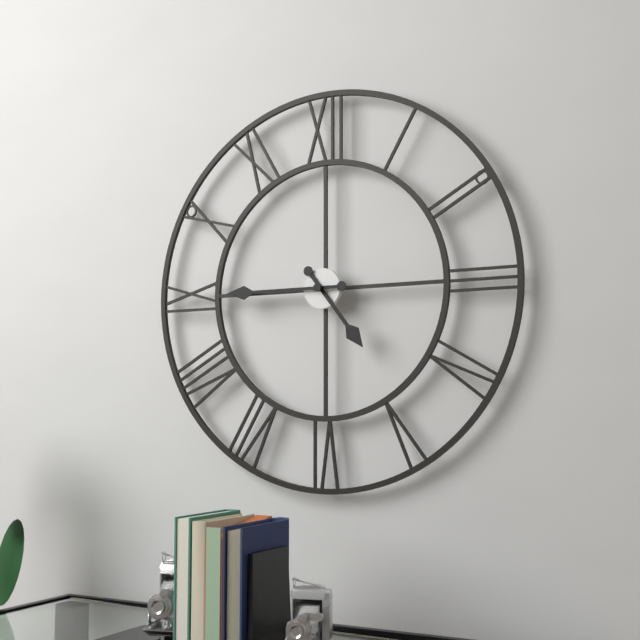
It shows 4h45
